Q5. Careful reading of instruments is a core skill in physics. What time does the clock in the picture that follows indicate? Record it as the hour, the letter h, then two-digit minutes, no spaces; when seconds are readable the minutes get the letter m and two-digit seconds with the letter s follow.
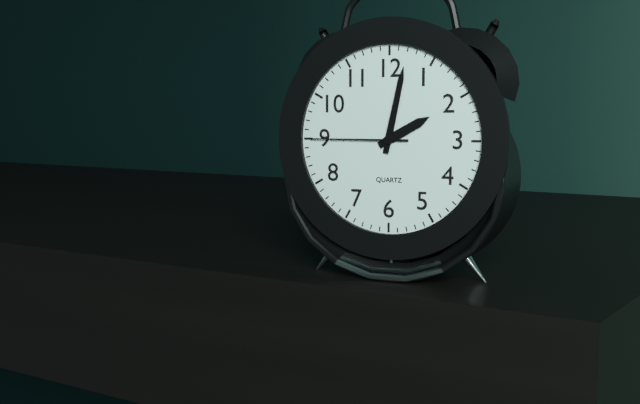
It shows 2h02m45s
